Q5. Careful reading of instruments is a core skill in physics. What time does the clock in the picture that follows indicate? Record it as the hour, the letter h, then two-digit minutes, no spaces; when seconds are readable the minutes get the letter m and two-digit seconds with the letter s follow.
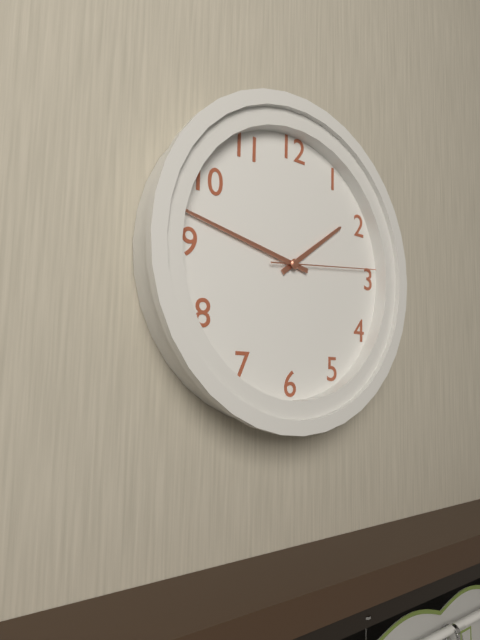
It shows 1h47m14s
